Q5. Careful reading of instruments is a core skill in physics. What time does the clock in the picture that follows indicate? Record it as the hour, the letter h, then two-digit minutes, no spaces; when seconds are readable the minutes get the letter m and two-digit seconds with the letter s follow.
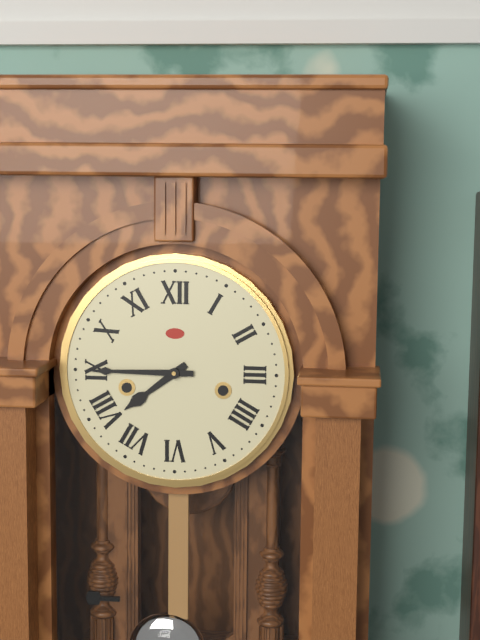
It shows 7h45
